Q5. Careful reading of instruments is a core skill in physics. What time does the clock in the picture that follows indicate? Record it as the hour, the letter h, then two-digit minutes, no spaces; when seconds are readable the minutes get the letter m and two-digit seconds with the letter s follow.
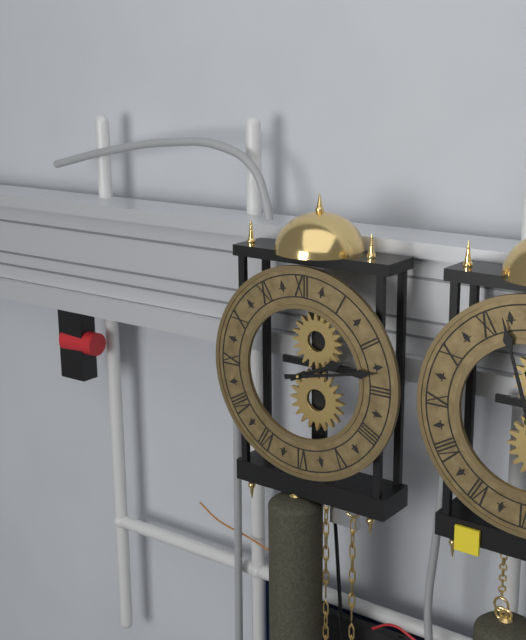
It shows 2h13
